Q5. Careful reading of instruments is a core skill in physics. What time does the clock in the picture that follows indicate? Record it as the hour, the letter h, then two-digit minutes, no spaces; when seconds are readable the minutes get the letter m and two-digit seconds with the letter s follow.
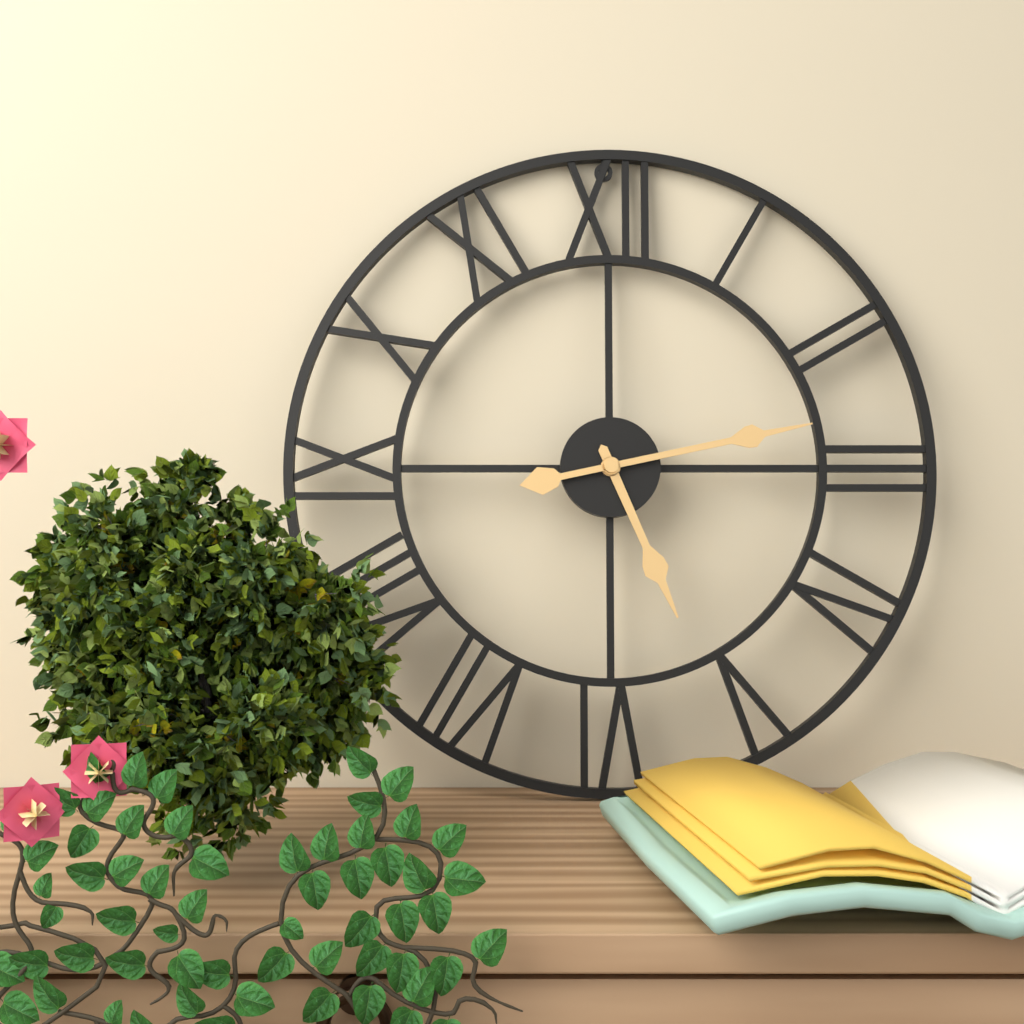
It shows 5h13
